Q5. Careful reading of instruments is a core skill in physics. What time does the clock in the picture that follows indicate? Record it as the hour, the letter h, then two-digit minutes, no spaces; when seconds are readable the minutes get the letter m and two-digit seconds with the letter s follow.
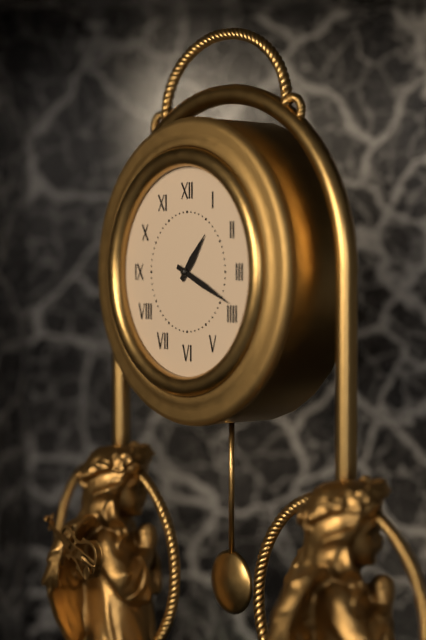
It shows 1h19
